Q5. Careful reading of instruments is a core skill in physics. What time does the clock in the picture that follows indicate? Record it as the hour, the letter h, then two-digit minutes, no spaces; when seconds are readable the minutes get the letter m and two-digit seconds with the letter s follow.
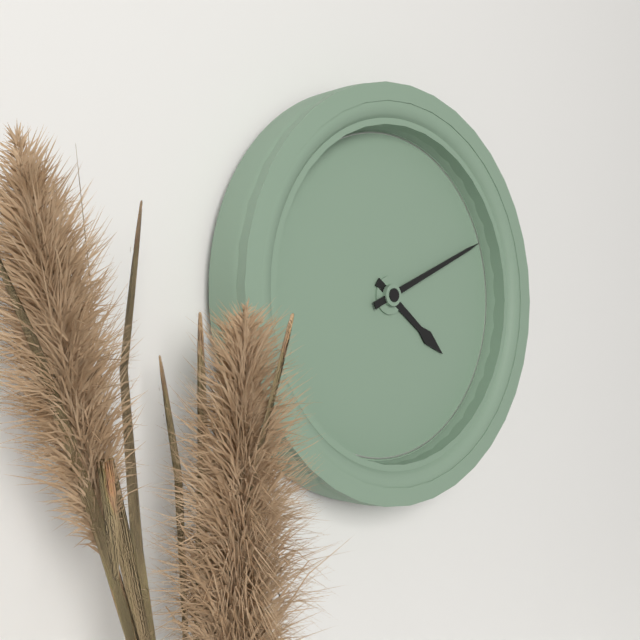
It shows 4h11
